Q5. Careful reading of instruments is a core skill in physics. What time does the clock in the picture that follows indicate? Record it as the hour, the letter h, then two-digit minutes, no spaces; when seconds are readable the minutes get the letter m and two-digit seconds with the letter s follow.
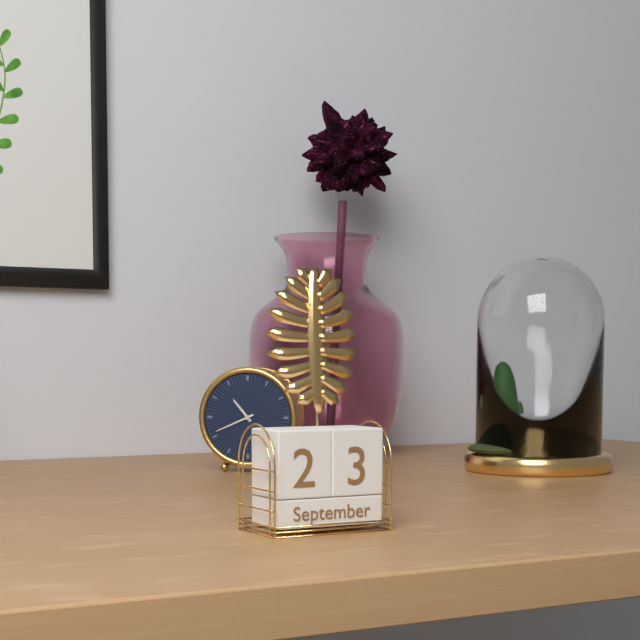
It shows 10h41
